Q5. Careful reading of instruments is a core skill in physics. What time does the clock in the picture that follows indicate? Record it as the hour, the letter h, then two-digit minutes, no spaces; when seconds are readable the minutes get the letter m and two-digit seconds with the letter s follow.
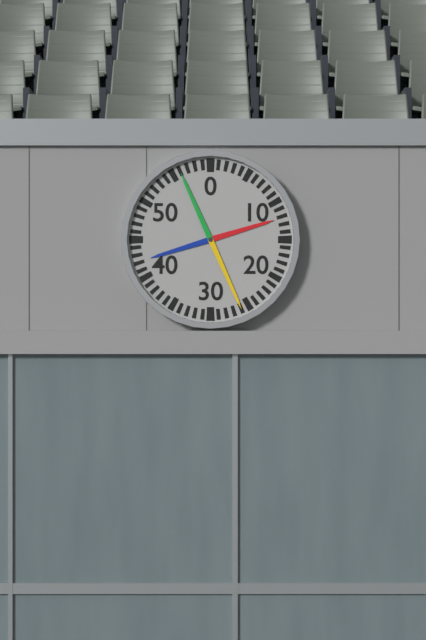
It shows 2h26
